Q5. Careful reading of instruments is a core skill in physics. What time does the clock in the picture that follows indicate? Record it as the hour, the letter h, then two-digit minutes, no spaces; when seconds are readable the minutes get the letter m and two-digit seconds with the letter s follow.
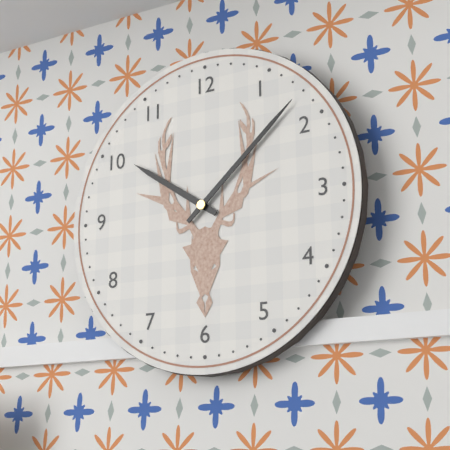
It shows 10h08
